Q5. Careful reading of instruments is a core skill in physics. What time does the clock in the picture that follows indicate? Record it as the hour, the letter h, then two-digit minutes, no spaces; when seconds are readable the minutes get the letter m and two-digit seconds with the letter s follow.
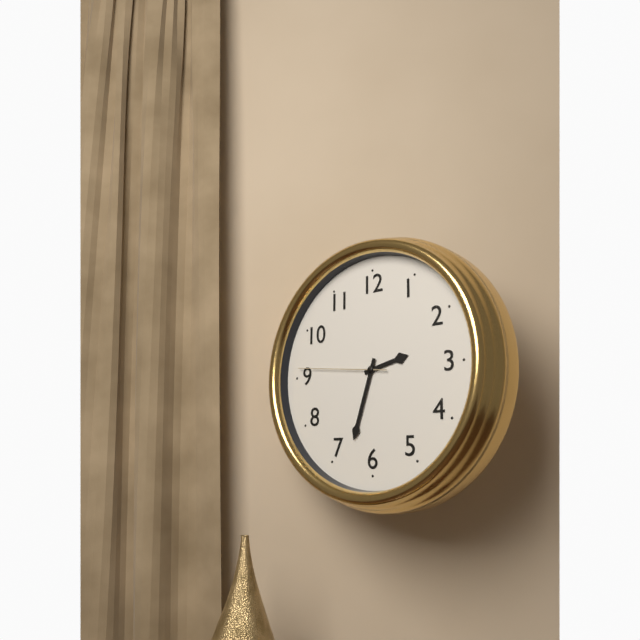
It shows 2h33m46s
